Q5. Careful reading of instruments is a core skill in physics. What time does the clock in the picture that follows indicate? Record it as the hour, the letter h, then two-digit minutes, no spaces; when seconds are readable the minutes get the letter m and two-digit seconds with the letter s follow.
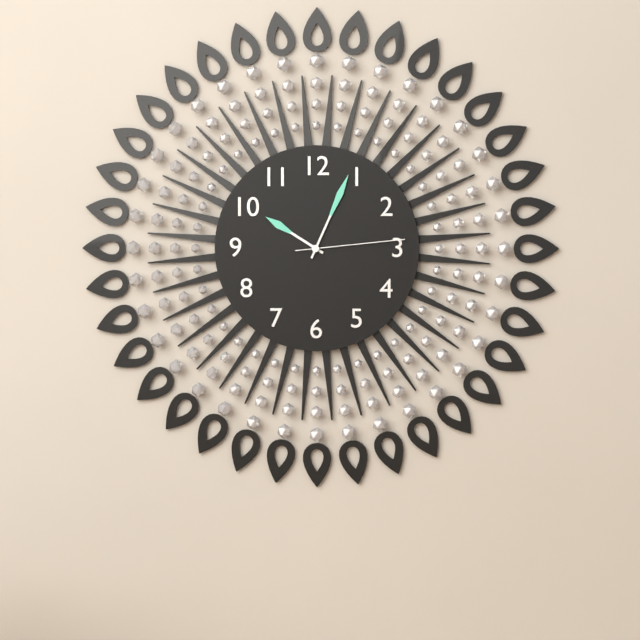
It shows 10h04m14s
